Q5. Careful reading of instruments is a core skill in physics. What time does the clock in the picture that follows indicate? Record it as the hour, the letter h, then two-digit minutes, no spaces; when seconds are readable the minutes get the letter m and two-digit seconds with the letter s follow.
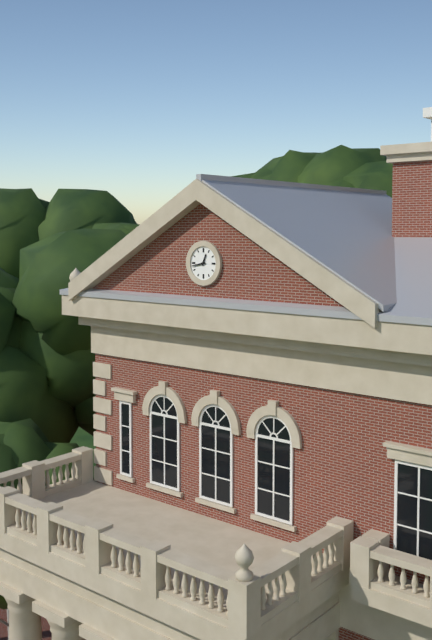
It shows 12h43
